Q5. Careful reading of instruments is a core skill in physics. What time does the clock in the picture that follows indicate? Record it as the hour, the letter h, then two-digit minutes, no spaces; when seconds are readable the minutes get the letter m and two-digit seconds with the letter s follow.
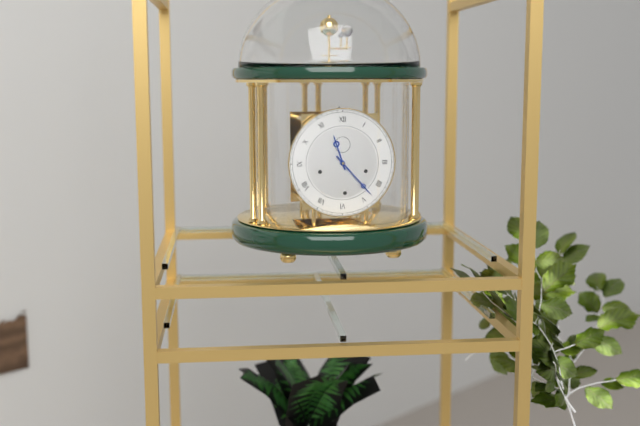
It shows 11h23
